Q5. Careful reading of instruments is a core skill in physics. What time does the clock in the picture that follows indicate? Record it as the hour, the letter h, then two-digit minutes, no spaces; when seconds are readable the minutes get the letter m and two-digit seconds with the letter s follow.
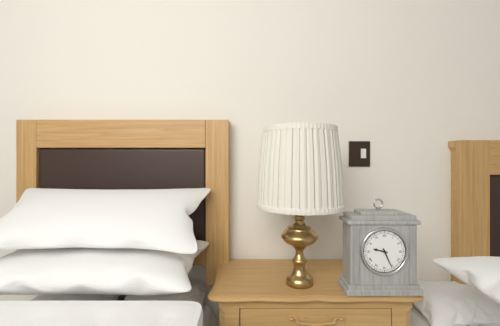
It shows 9h26
